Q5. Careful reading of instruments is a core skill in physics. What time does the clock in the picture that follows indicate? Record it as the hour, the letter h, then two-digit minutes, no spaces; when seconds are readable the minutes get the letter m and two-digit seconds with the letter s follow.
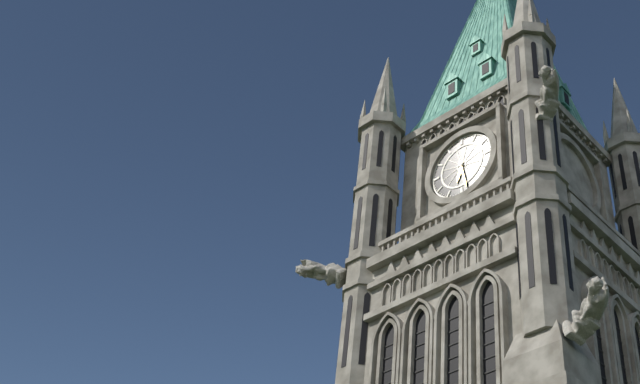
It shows 6h28
